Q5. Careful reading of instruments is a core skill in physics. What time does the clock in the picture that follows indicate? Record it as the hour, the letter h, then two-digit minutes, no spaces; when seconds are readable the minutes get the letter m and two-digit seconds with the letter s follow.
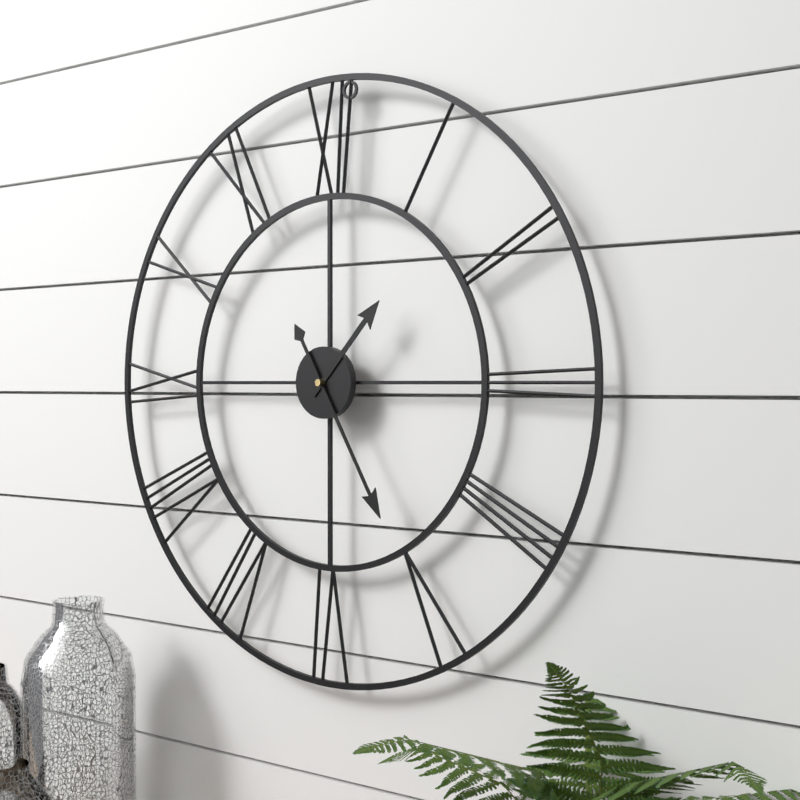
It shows 1h25
